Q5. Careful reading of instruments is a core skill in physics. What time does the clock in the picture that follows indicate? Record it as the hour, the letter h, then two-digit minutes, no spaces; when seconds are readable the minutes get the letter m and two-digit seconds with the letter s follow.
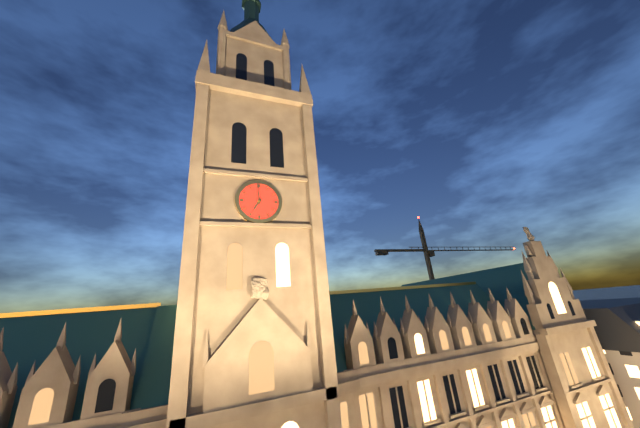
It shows 6h59
